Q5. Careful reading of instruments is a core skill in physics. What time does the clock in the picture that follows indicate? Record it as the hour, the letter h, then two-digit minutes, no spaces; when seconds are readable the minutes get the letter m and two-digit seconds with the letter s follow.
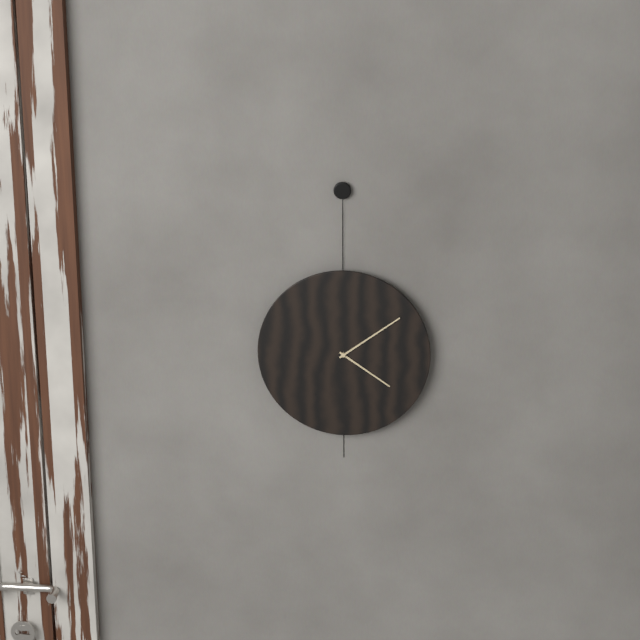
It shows 4h09
